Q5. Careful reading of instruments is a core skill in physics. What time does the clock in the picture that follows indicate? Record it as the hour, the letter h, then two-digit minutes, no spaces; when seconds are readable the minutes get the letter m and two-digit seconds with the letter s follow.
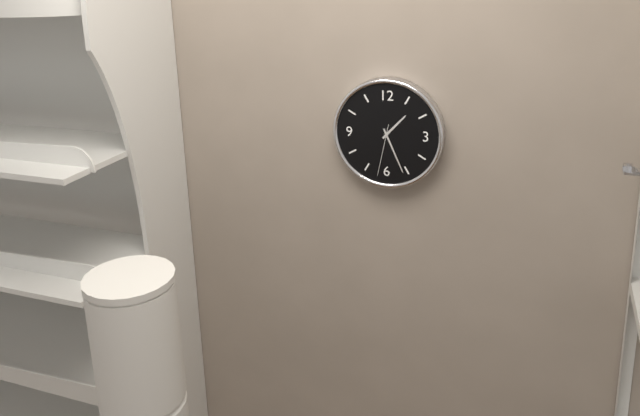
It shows 1h26m32s
